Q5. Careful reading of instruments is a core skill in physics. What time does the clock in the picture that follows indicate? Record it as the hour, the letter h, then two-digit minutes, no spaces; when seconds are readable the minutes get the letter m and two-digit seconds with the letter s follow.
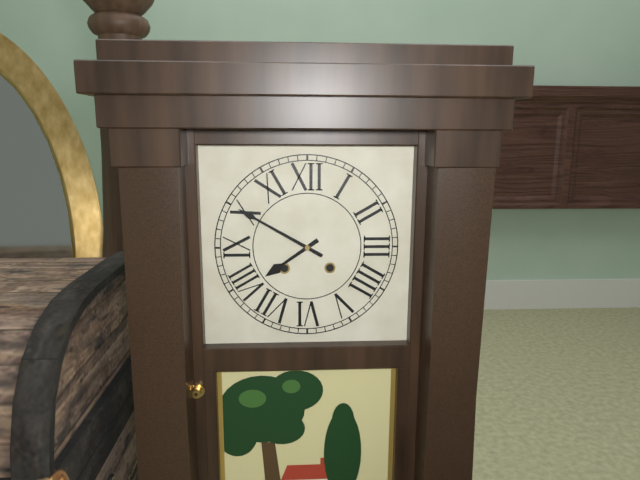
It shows 7h50
